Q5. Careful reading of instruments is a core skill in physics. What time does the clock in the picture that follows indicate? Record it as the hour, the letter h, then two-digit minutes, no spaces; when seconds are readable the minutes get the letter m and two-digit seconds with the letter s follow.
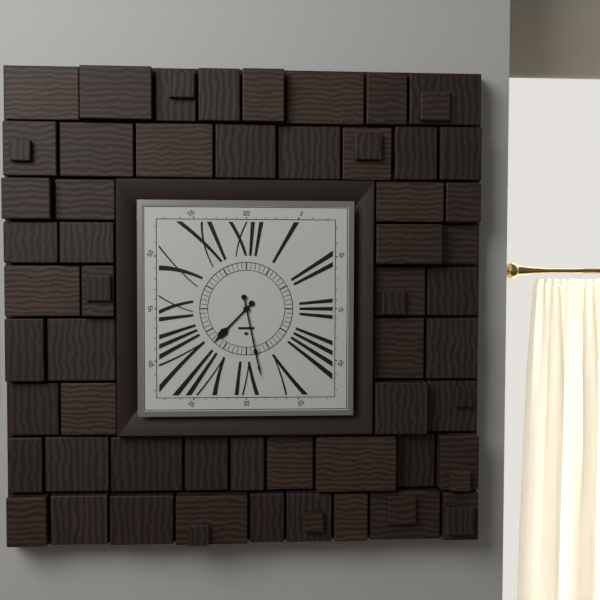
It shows 7h28
